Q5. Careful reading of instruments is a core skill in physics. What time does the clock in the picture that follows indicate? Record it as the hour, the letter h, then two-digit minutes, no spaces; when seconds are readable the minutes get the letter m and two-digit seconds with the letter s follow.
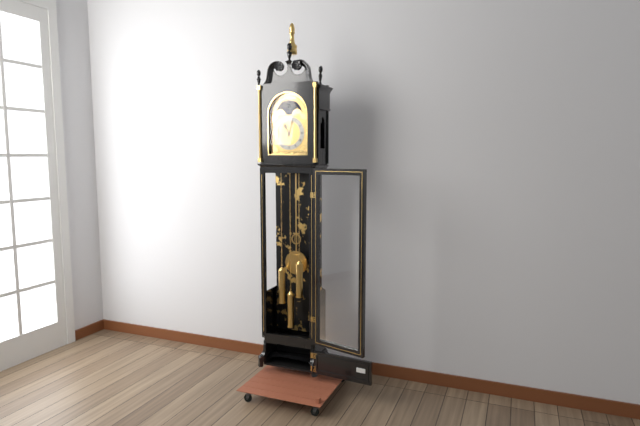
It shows 11h03
